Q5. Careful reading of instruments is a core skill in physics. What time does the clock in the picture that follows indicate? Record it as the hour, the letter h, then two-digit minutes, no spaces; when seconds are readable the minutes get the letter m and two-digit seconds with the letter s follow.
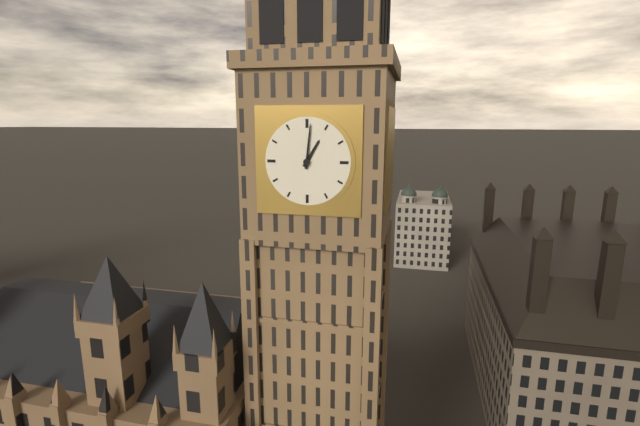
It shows 1h01
